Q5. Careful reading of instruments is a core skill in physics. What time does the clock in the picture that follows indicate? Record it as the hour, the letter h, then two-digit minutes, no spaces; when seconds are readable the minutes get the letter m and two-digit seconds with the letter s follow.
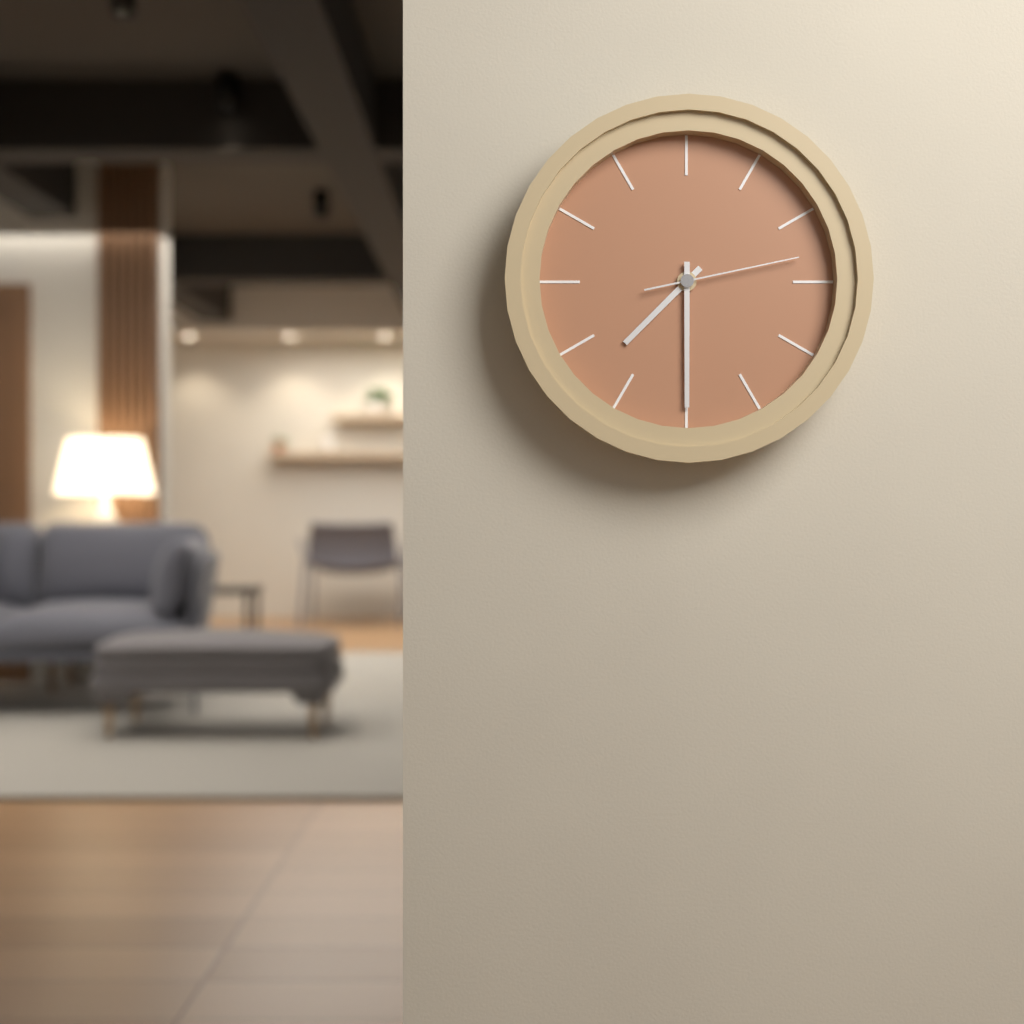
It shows 7h30m13s
